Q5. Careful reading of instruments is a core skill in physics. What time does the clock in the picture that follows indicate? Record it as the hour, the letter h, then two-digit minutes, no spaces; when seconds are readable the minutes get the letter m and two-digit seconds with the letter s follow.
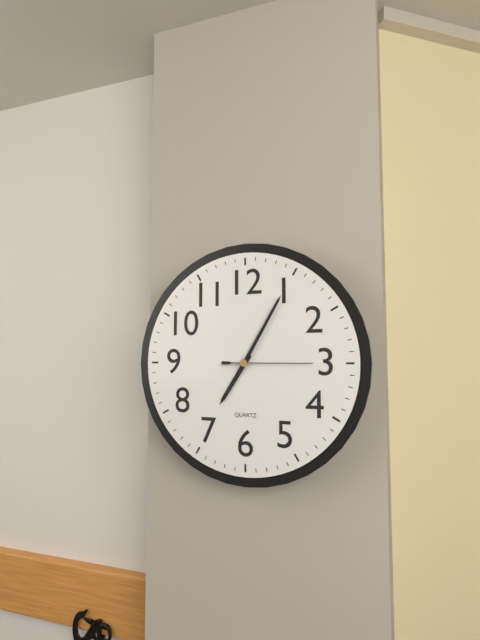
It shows 7h05m15s
